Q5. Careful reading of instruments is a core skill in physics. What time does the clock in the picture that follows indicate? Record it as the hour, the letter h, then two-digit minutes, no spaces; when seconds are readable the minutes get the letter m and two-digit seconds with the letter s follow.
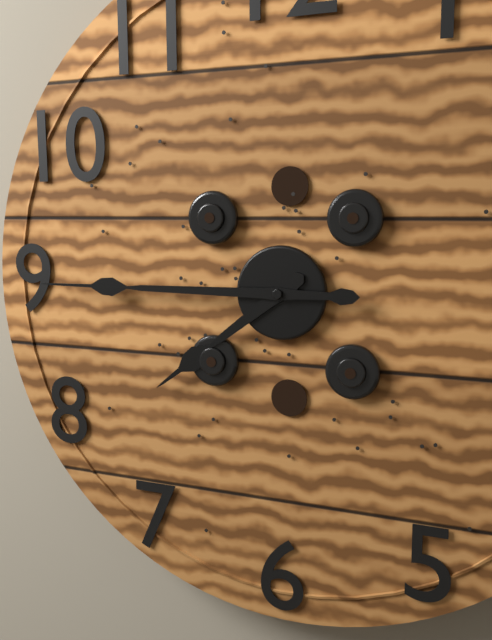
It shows 7h45
